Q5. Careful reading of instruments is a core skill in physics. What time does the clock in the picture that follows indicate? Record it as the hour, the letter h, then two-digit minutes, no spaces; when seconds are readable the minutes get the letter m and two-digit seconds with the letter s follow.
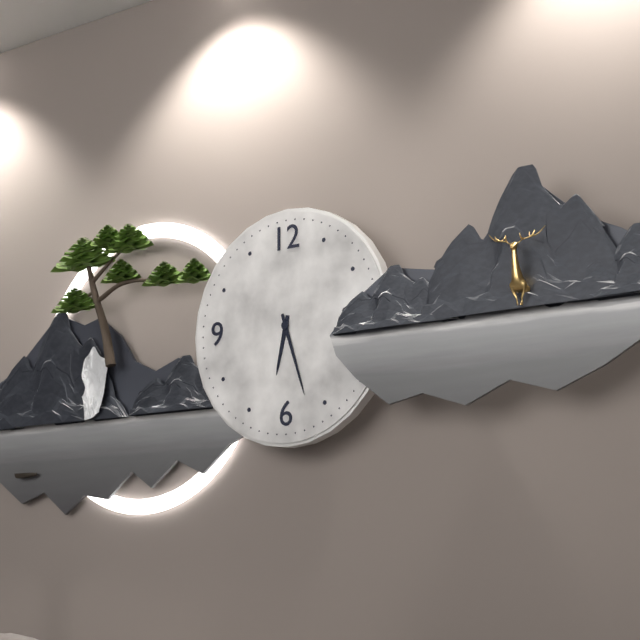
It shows 6h27
